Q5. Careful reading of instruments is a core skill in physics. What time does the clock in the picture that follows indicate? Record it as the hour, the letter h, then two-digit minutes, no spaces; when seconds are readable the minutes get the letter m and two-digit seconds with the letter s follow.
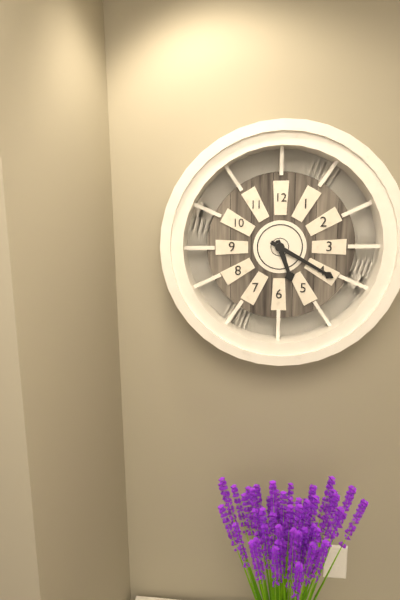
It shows 5h20
